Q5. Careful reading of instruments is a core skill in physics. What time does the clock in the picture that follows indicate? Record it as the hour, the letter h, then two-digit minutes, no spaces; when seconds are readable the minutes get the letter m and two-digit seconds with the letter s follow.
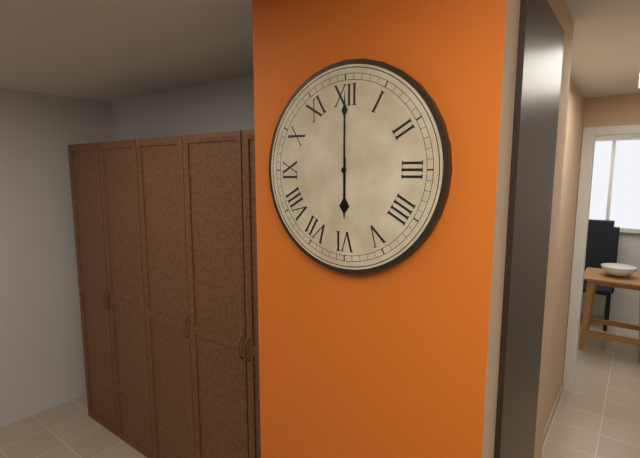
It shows 6h00
